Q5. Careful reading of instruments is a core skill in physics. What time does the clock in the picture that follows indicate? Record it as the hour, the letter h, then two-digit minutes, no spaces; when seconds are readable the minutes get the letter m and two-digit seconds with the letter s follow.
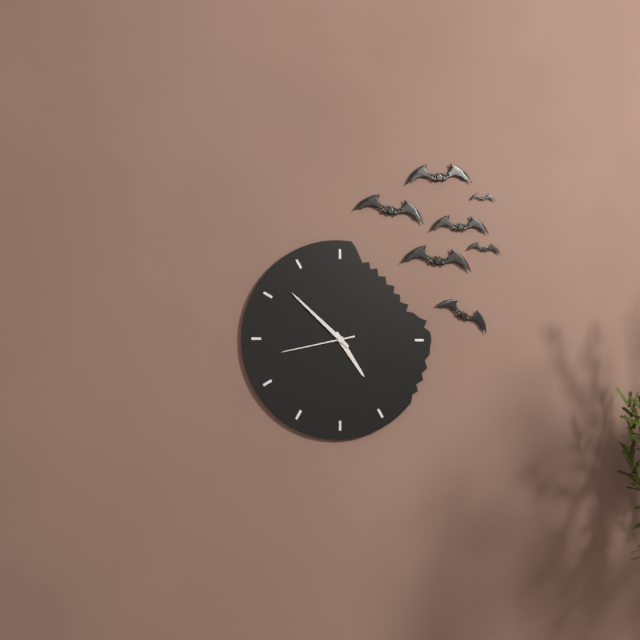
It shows 4h52m43s
